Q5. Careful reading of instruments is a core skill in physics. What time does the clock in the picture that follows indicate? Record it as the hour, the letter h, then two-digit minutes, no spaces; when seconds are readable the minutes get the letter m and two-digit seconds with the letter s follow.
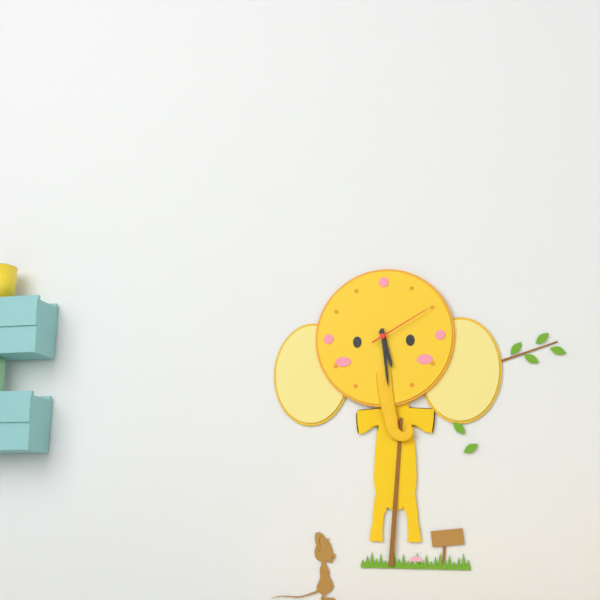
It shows 5h29m10s
